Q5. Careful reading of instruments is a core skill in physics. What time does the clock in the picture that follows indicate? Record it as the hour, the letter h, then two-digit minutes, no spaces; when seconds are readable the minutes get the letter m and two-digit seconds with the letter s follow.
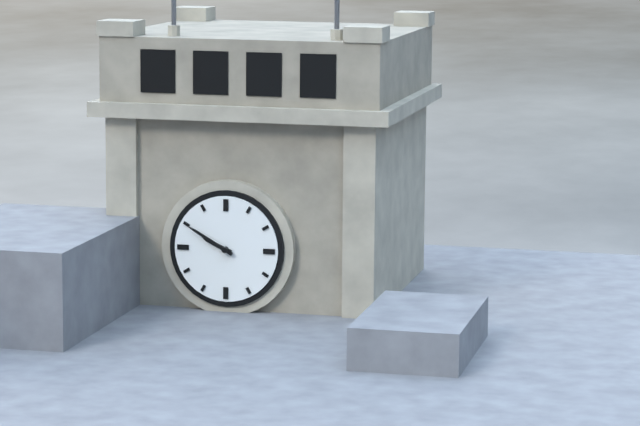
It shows 9h50
